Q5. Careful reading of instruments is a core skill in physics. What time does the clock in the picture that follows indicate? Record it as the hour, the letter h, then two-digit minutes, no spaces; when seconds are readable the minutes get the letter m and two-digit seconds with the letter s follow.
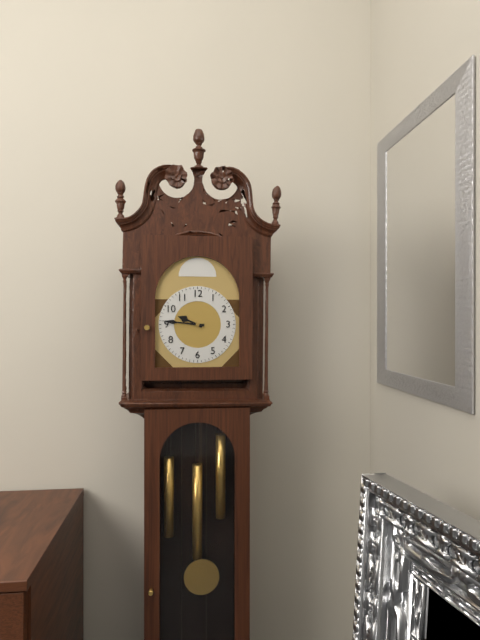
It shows 9h46
